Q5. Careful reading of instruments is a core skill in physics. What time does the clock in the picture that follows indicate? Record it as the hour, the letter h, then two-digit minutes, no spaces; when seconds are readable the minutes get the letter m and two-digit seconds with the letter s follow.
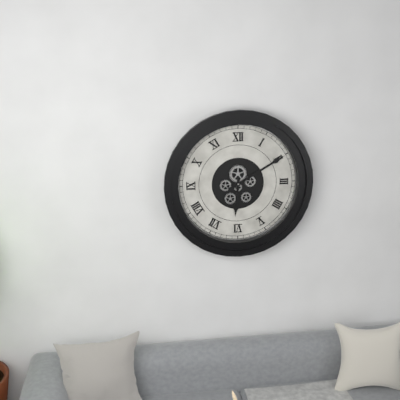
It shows 6h10
